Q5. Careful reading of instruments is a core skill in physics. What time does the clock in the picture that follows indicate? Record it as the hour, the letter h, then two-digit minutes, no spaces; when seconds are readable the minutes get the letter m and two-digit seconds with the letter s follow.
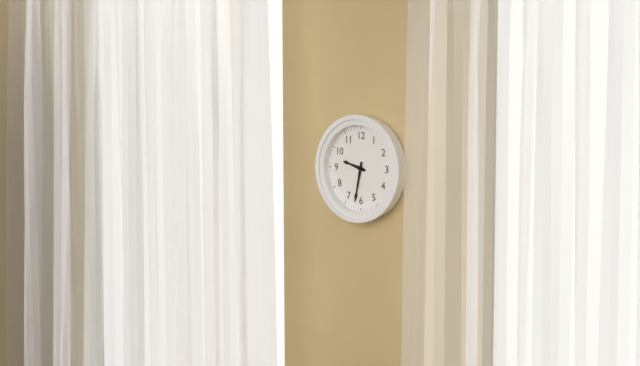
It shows 9h32
